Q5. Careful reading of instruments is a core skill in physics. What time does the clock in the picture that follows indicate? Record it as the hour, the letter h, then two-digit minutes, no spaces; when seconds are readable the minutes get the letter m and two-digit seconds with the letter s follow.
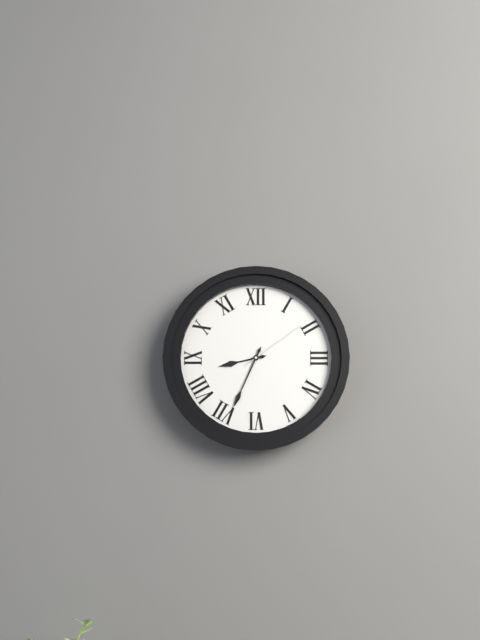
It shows 8h34m09s
